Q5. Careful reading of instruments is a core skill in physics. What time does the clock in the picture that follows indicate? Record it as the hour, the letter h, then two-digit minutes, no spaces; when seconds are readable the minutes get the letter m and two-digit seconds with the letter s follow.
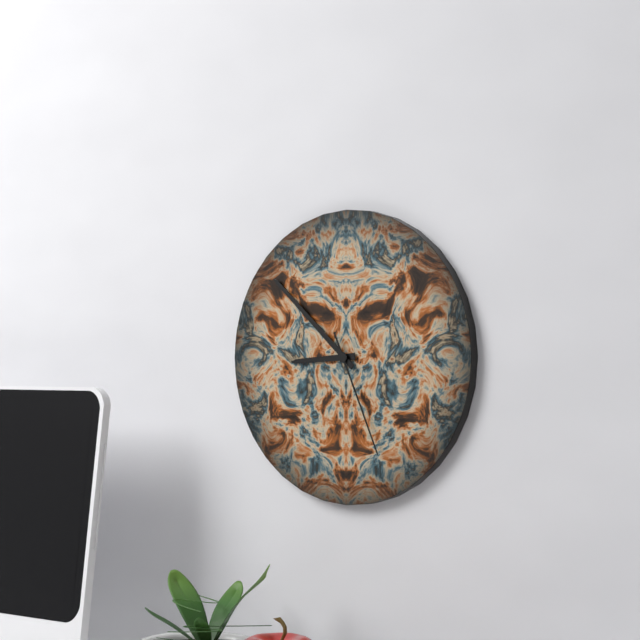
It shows 8h52m26s
